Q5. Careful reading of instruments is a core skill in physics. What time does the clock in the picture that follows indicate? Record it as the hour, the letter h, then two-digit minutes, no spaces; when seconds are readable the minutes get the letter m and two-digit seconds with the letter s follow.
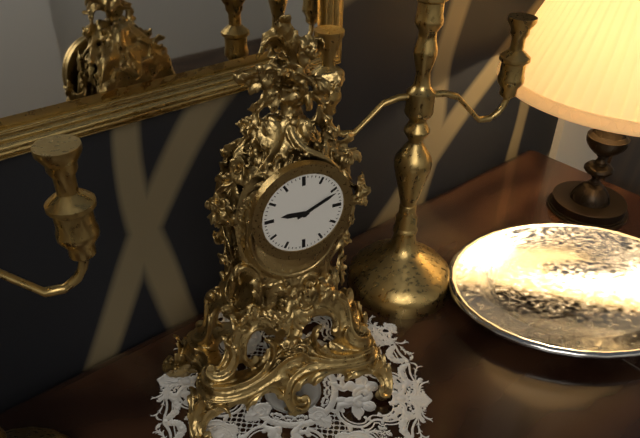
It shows 9h11
